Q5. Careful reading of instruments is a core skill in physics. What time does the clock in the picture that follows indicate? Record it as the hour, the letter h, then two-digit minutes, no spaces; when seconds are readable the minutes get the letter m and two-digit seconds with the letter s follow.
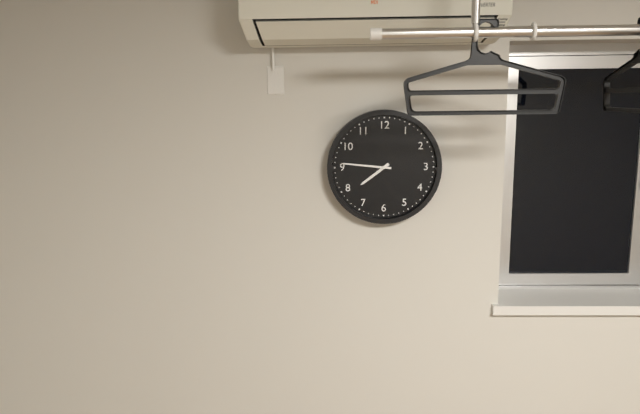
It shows 7h46
